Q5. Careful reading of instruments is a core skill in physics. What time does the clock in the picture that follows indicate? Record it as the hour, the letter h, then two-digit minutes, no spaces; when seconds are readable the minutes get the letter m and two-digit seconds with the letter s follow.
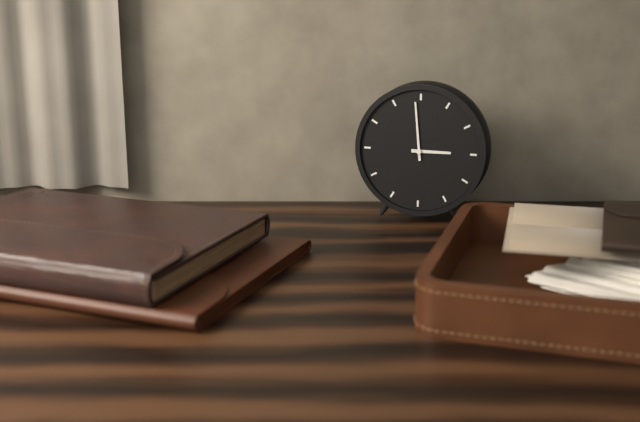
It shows 2h59
